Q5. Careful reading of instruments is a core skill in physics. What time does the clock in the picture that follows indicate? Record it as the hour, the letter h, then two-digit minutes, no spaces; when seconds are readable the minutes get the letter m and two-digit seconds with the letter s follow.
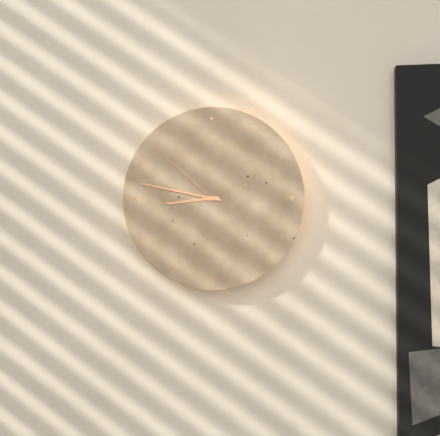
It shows 8h47m52s
